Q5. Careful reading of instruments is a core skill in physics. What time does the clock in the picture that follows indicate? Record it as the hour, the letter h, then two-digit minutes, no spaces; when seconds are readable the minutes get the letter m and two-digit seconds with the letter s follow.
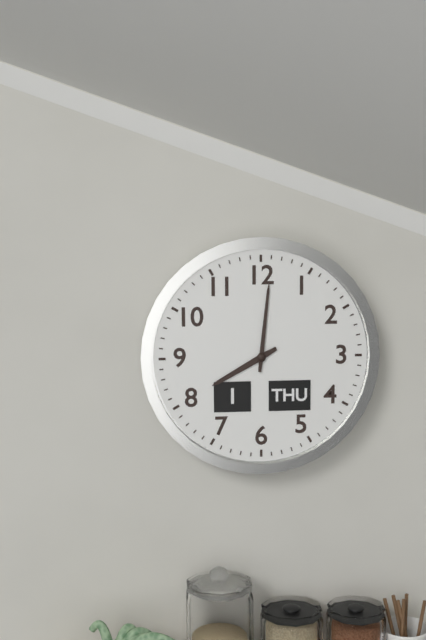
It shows 8h01
